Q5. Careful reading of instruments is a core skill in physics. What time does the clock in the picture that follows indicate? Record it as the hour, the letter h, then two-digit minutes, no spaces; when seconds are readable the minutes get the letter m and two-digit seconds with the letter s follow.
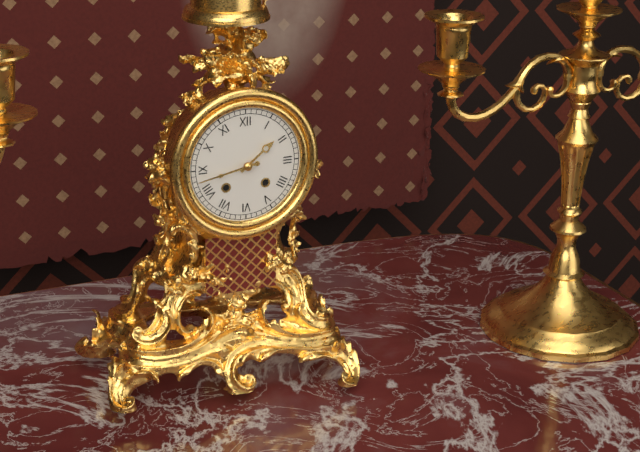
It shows 1h43
